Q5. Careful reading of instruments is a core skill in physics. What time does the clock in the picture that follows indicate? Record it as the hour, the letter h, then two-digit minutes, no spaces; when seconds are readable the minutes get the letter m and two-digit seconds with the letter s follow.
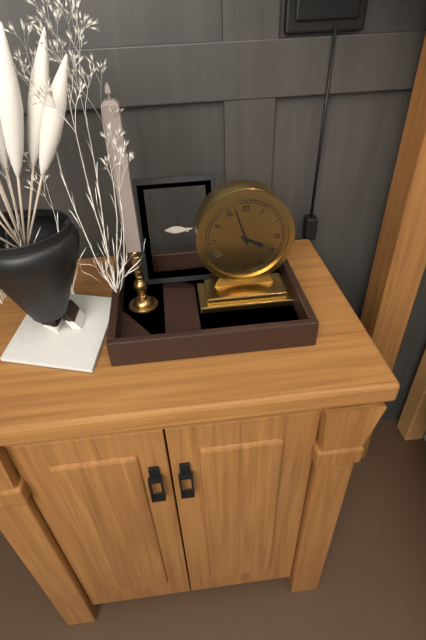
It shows 3h57
